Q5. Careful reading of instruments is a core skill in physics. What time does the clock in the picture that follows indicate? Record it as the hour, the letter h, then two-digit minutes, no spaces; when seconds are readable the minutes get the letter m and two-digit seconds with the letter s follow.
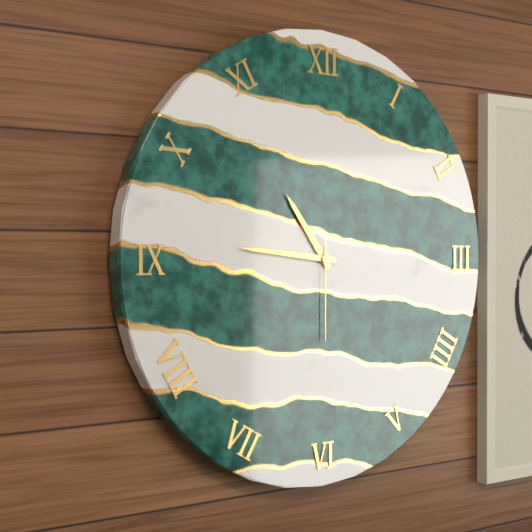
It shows 10h46m30s
